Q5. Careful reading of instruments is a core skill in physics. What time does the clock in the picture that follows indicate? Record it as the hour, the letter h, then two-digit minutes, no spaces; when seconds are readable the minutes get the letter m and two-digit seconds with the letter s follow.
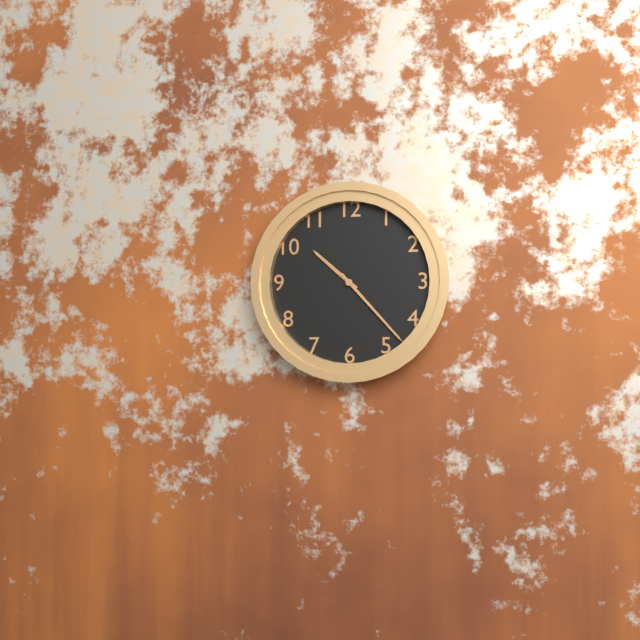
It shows 10h23
